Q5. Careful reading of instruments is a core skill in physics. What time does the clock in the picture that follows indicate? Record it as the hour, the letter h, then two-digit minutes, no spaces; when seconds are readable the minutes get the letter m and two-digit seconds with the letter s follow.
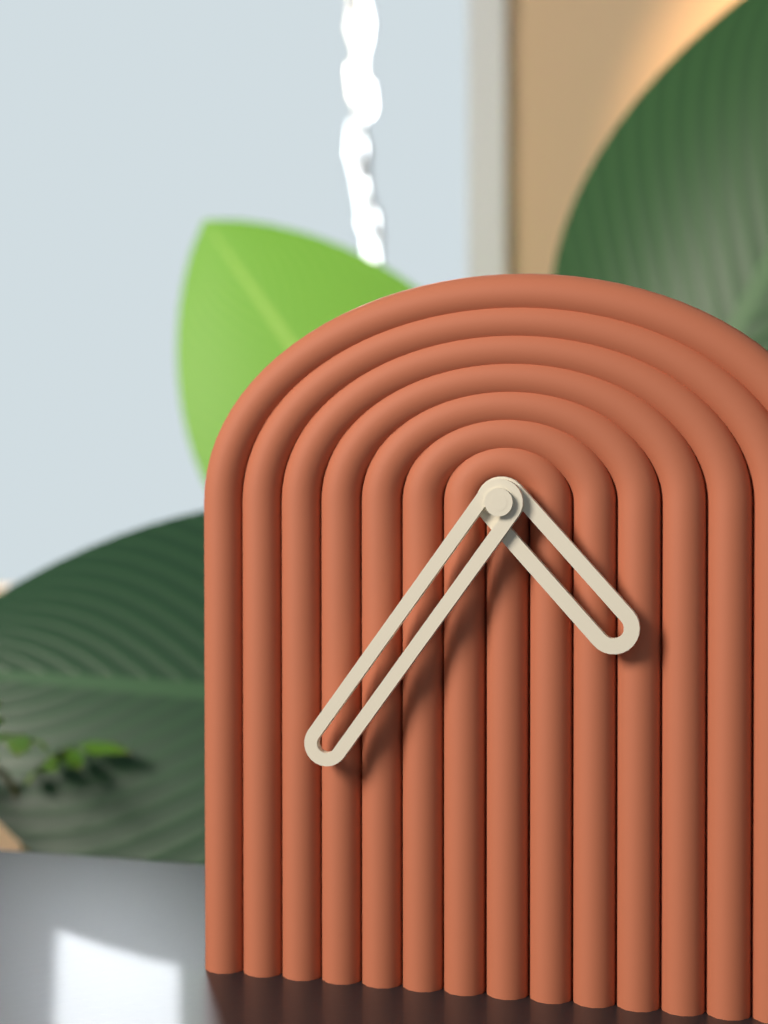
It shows 4h36
